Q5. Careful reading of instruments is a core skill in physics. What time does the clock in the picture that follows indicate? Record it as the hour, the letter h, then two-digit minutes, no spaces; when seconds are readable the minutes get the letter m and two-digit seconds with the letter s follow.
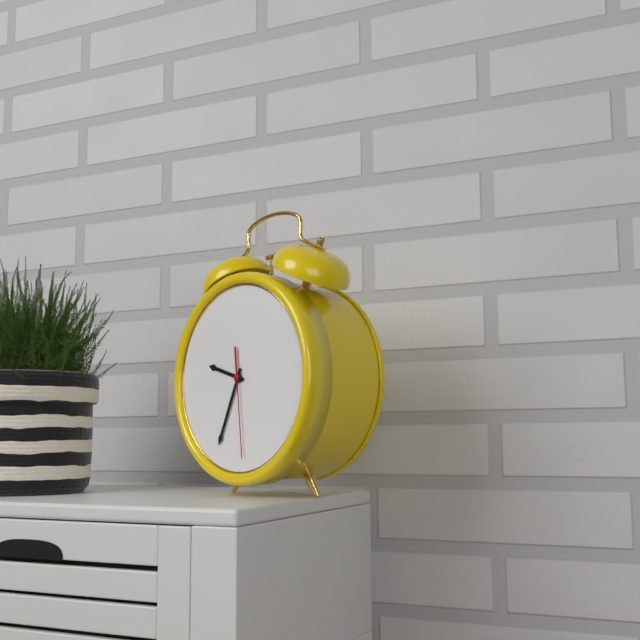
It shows 9h34m29s
